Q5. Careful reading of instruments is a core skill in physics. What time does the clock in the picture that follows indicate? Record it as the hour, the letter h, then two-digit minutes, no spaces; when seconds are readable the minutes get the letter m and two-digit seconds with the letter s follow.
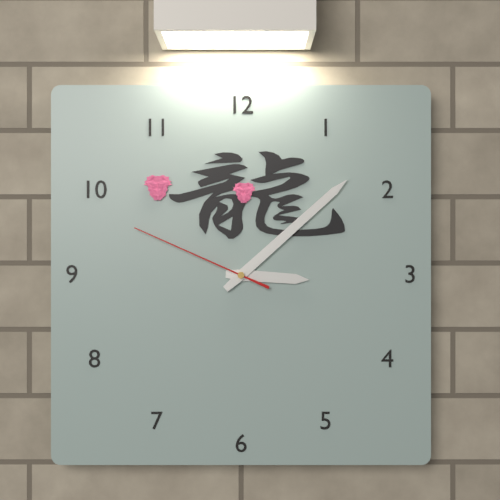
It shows 3h08m49s
